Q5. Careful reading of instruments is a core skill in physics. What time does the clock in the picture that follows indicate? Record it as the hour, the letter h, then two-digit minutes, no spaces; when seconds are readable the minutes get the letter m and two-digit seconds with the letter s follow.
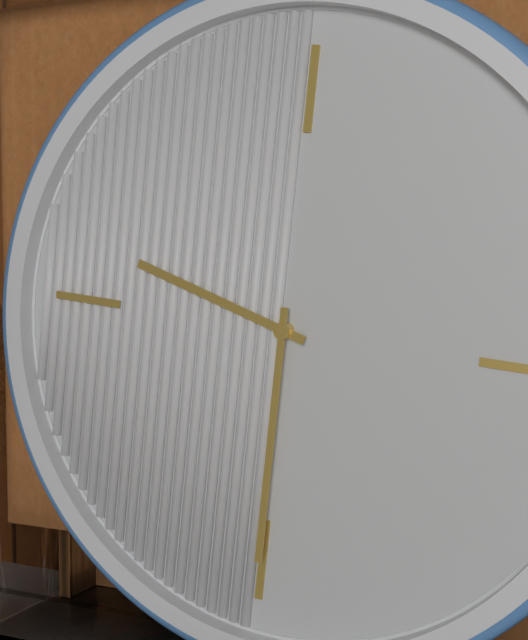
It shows 9h30
